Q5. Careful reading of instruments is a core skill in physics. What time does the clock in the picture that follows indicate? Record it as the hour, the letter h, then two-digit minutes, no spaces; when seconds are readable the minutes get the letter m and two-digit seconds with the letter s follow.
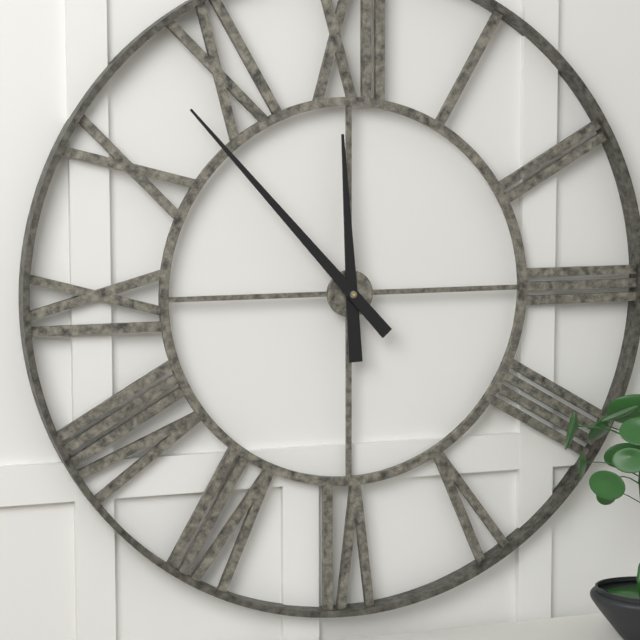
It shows 11h53
